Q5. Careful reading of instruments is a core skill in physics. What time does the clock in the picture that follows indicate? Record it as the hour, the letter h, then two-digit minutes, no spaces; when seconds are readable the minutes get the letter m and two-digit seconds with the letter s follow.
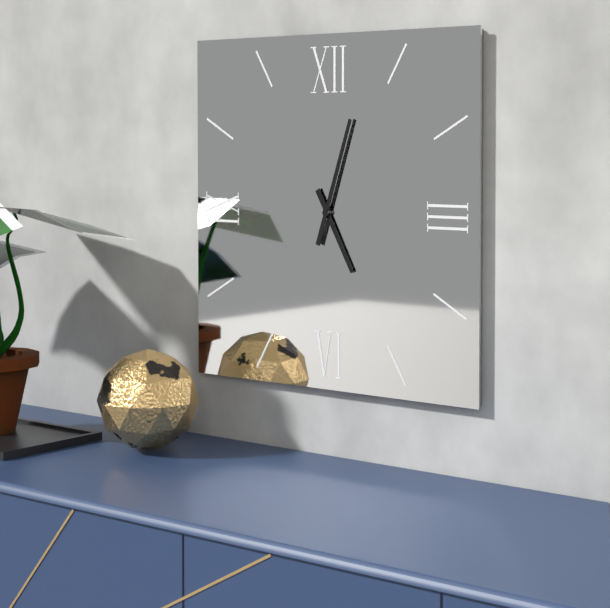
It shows 5h03
